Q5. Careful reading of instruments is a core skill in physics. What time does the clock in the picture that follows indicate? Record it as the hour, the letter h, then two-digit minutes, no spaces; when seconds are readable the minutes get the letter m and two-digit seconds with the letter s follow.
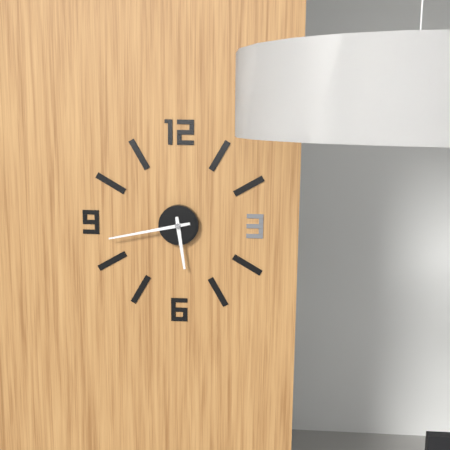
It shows 5h43
